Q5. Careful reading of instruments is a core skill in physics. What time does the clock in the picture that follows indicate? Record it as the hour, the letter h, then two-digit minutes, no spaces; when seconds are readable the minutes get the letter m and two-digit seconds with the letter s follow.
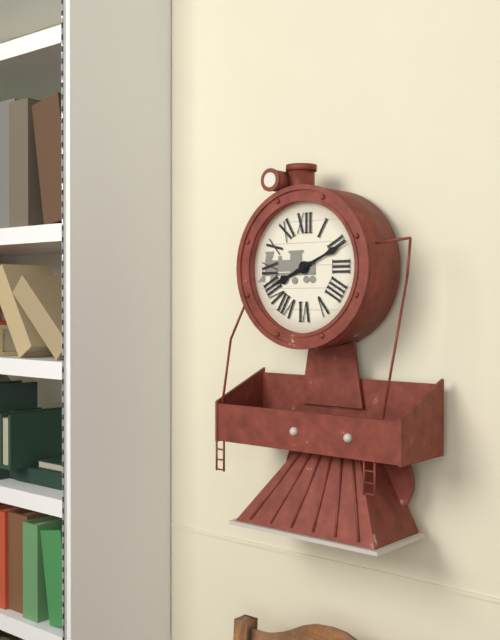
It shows 8h11
